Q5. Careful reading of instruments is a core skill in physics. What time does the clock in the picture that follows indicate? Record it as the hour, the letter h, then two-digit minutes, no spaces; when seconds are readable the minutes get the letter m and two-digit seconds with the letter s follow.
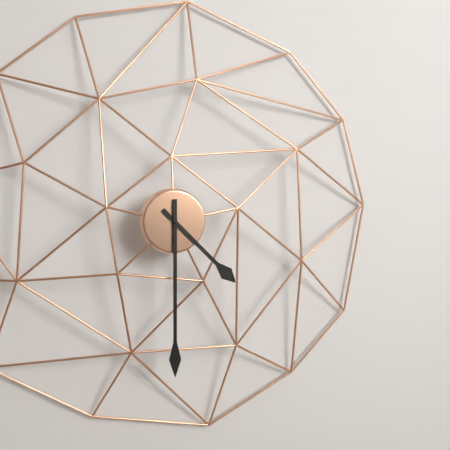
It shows 4h30
